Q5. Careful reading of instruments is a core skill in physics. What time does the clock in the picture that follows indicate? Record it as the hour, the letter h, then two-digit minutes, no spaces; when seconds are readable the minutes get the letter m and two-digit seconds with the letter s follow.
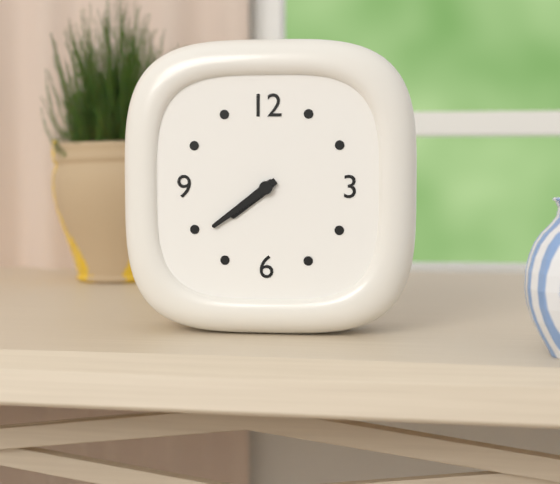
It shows 7h39
